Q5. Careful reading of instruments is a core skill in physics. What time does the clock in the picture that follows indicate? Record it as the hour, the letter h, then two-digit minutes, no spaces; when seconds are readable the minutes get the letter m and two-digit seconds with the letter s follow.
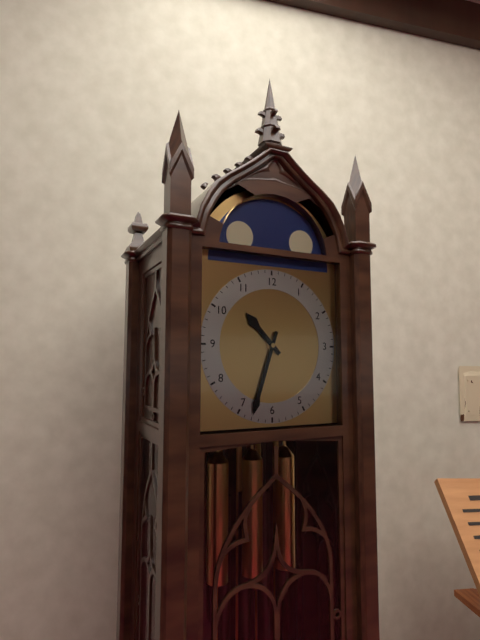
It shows 10h33
